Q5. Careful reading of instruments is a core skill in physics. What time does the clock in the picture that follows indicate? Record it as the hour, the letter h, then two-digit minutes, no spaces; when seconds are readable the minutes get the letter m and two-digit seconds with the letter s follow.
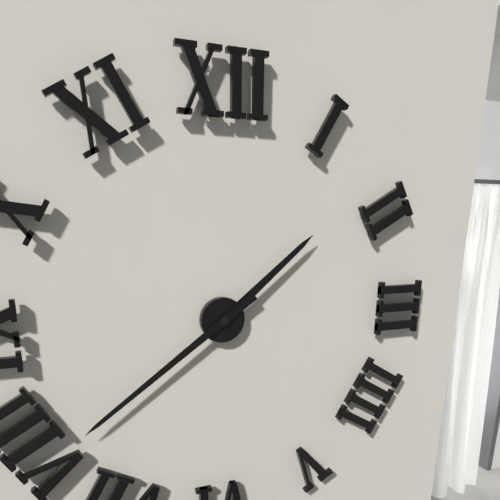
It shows 1h39
